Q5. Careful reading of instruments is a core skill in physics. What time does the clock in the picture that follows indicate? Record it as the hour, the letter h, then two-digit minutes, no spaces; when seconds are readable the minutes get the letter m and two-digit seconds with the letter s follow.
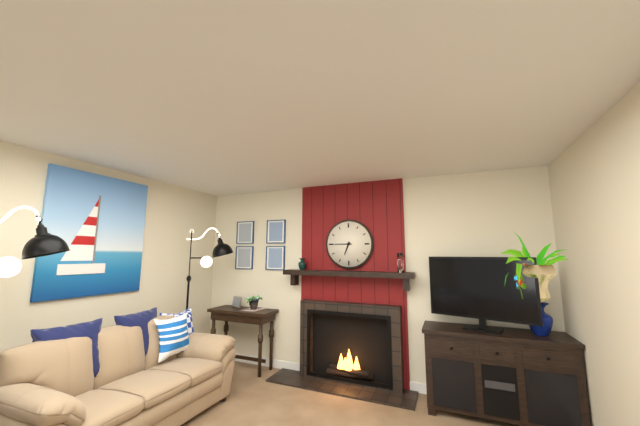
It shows 6h45
